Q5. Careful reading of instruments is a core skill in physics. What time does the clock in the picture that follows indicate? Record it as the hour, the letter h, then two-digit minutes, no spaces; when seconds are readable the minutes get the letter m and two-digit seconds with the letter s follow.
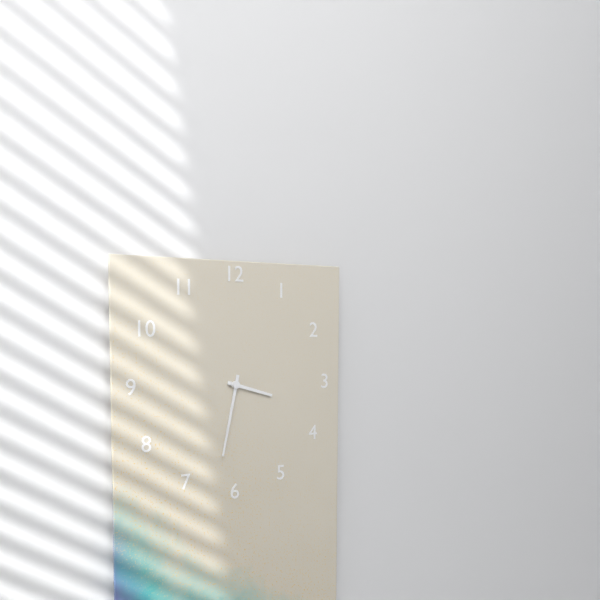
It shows 3h32
